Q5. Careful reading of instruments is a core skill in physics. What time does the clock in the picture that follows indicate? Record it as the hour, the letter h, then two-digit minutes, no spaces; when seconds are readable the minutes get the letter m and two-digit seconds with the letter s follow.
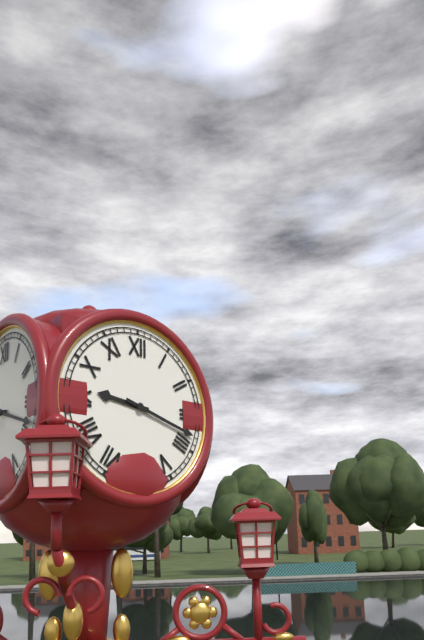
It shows 9h18
